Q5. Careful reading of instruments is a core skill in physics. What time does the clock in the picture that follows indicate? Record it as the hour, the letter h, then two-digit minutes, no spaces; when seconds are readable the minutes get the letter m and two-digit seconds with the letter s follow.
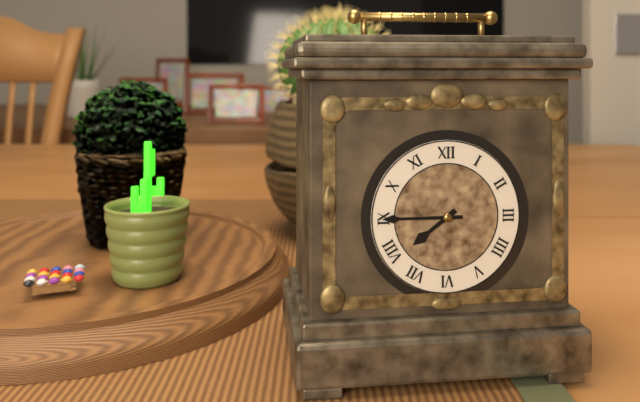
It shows 7h45
